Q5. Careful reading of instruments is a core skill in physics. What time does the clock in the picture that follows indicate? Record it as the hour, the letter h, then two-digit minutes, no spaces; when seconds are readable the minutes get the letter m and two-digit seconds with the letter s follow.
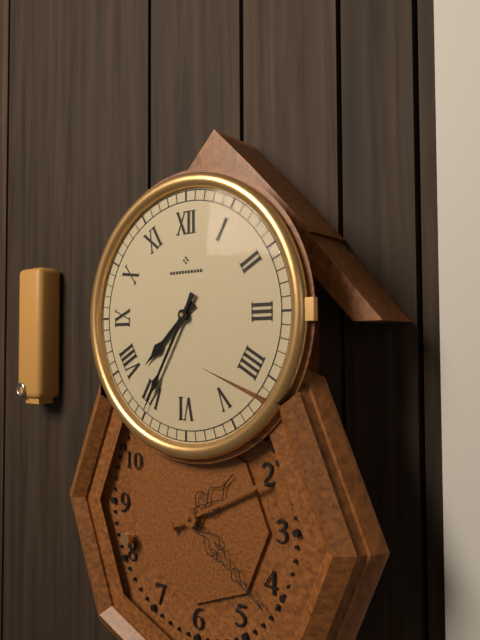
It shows 7h35
